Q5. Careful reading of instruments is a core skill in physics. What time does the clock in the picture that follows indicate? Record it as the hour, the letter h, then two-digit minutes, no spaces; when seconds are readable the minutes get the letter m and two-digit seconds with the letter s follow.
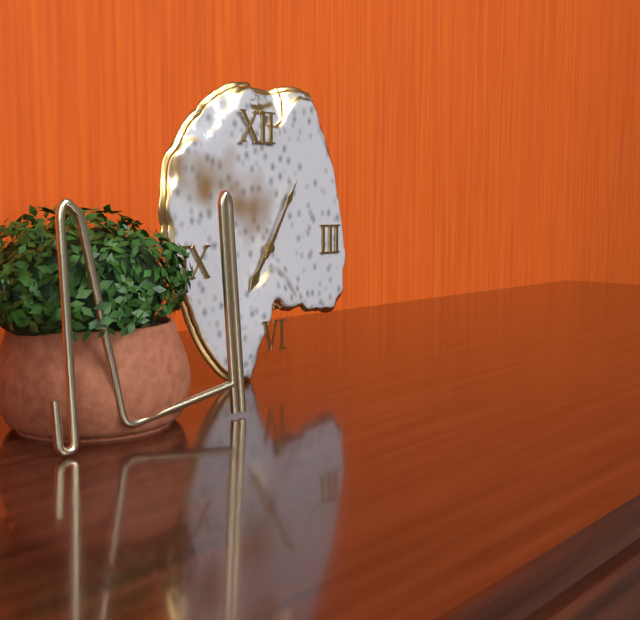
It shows 7h05
